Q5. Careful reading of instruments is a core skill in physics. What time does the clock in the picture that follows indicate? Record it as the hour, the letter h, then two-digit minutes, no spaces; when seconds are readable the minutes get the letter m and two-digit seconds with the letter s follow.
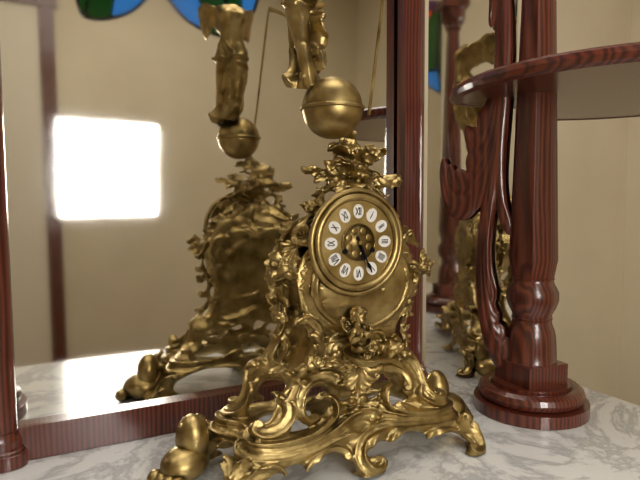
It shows 5h26
